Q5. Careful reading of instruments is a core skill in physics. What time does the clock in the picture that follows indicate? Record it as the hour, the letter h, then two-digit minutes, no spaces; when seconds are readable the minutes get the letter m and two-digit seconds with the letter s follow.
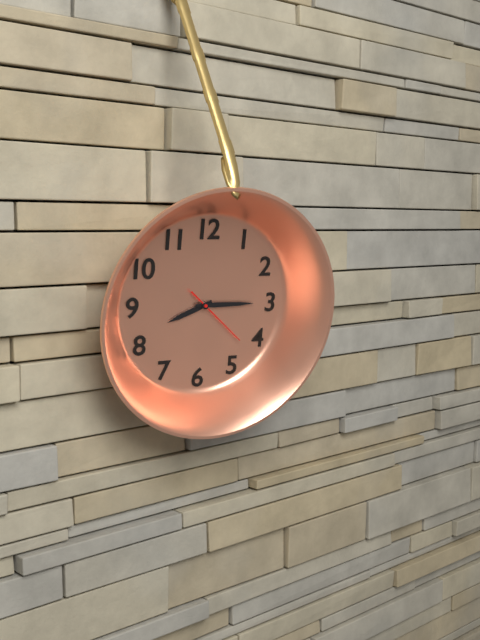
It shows 8h15m22s
